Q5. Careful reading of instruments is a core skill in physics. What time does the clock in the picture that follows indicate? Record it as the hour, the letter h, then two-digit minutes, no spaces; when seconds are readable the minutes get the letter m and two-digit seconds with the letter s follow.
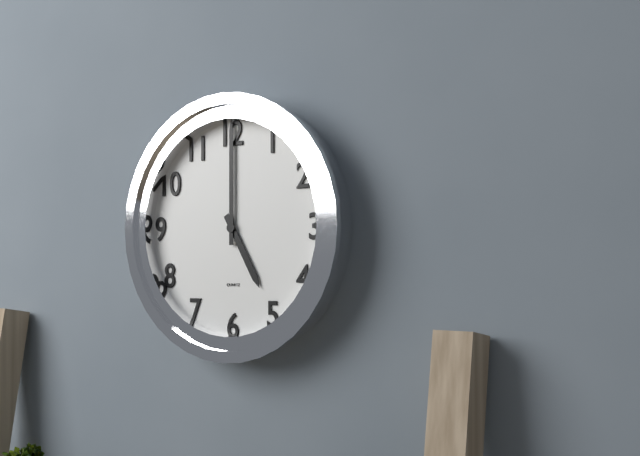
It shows 5h00
